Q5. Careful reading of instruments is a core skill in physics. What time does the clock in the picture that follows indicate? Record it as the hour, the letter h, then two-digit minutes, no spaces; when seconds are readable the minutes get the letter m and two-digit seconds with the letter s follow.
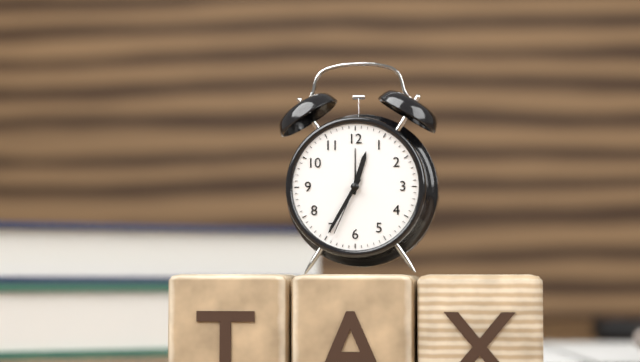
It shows 12h35m34s
